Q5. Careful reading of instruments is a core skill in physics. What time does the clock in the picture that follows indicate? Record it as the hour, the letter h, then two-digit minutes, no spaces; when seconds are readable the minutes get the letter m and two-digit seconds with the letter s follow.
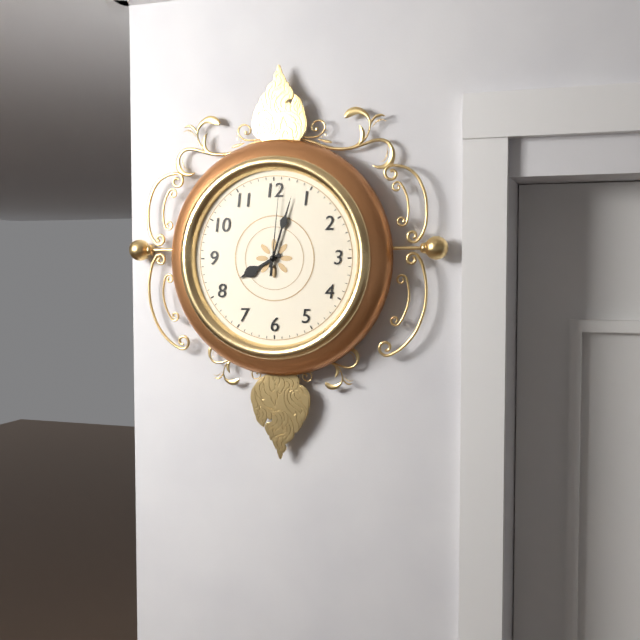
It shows 8h03m01s
